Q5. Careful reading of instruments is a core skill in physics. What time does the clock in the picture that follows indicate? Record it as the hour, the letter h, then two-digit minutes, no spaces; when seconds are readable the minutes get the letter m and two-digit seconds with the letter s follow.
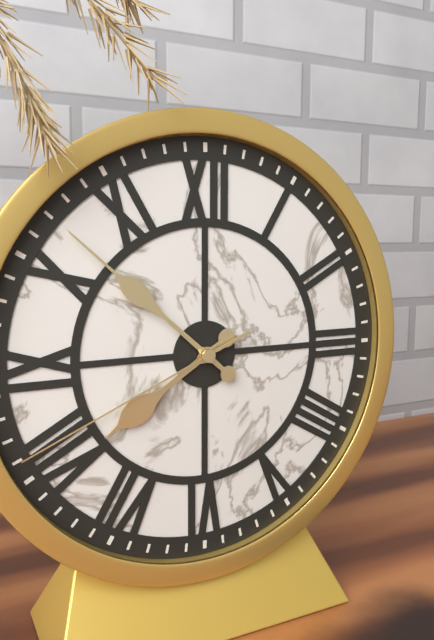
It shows 7h52m41s
